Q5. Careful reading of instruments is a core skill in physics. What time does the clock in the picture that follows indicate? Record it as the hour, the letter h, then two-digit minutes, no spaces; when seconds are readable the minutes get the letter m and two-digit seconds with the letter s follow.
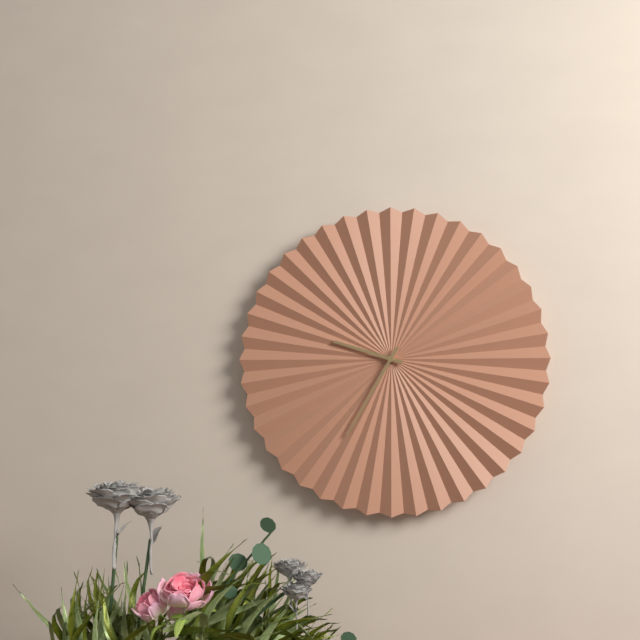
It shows 9h35
